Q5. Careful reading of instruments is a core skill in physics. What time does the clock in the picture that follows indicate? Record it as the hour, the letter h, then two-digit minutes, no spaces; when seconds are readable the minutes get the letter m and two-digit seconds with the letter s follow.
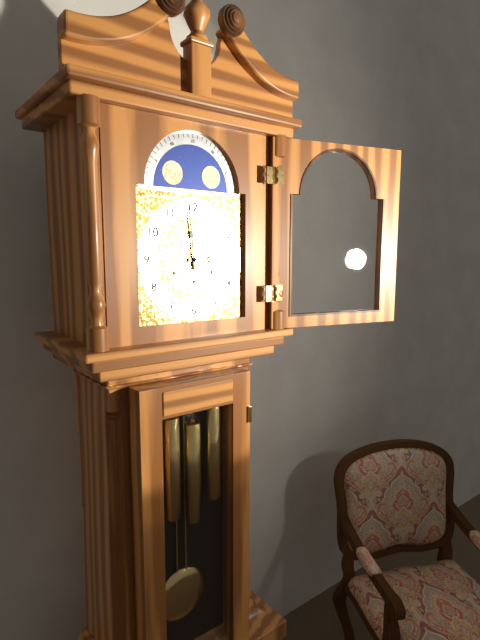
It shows 2h59
